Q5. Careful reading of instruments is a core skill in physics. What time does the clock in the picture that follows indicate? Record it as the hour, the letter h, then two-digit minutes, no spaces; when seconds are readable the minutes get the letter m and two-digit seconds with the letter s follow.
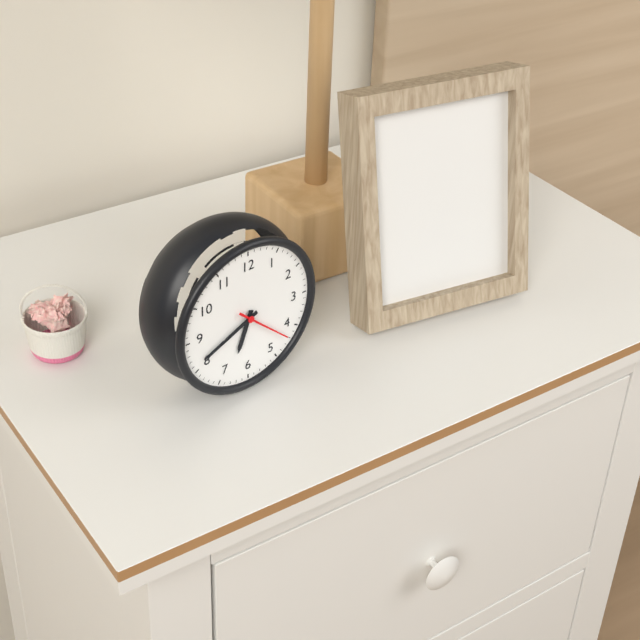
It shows 6h41m22s
